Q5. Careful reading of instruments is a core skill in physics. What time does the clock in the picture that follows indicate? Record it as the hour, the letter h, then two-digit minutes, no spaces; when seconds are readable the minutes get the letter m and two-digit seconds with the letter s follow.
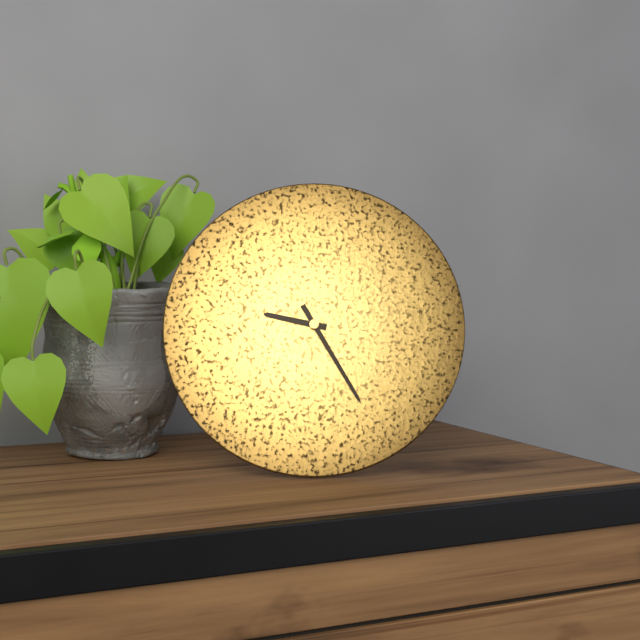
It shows 9h25
